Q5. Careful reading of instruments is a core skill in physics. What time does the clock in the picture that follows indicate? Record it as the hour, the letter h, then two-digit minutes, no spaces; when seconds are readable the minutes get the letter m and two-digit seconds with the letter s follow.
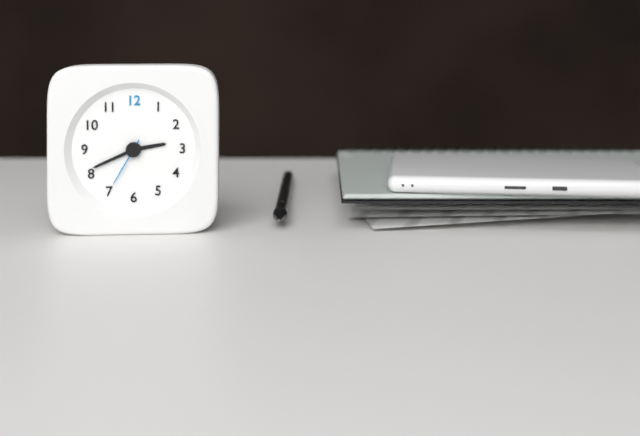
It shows 2h41m35s
